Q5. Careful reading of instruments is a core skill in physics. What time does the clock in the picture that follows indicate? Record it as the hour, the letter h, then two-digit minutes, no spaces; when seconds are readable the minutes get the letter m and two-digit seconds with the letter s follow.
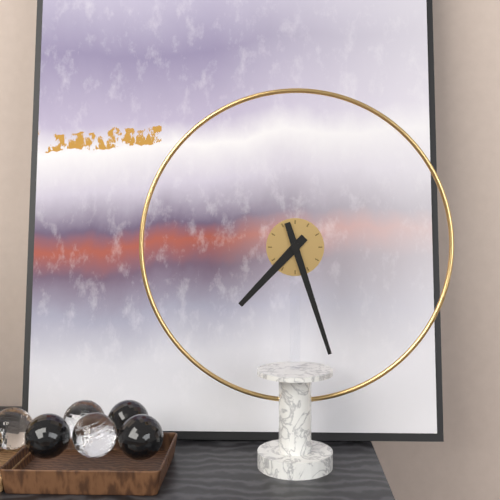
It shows 7h27
